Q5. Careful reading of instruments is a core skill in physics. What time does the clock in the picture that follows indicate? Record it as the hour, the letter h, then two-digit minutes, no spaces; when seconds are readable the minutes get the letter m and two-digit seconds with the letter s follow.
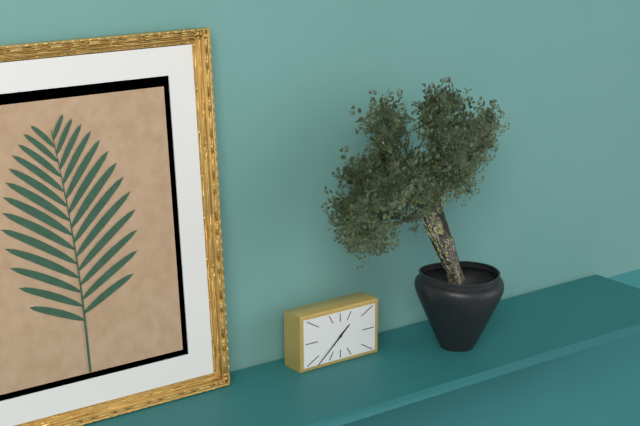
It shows 1h38
